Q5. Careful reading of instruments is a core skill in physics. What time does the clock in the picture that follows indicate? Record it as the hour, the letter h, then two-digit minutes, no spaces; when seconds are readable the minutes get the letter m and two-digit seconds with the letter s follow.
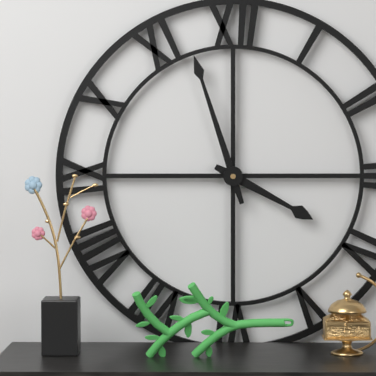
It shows 3h57
